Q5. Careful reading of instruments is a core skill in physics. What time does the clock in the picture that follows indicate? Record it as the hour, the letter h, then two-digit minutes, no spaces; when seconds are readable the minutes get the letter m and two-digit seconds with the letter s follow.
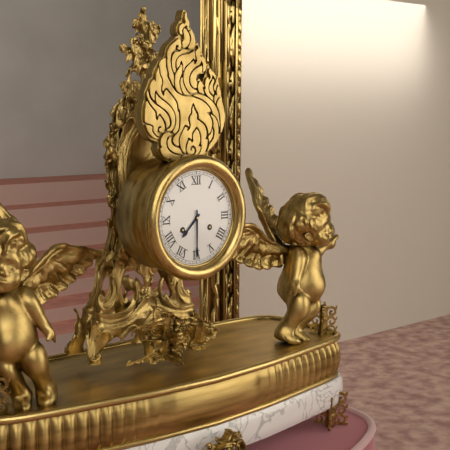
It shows 7h30
